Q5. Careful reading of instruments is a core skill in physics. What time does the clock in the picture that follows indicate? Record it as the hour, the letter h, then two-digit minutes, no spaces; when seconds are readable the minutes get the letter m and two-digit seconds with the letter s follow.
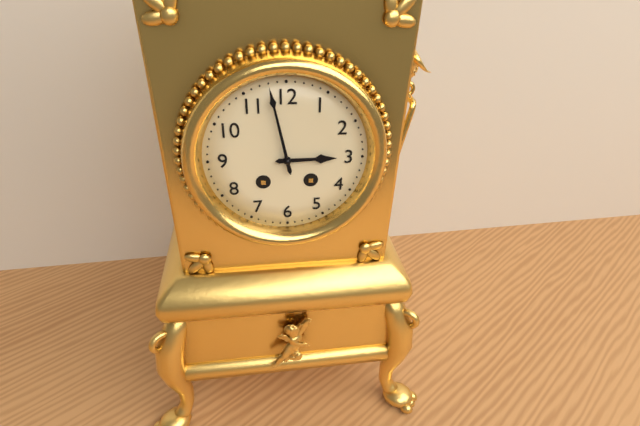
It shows 2h58
